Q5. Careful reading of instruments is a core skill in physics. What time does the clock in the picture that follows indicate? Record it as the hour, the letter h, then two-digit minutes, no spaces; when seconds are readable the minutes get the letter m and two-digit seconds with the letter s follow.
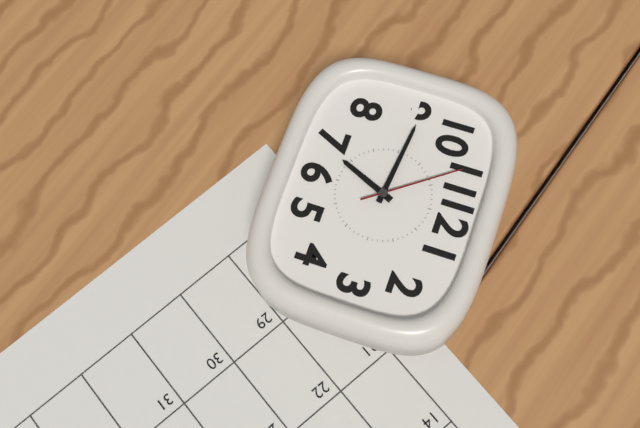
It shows 6h46m54s
